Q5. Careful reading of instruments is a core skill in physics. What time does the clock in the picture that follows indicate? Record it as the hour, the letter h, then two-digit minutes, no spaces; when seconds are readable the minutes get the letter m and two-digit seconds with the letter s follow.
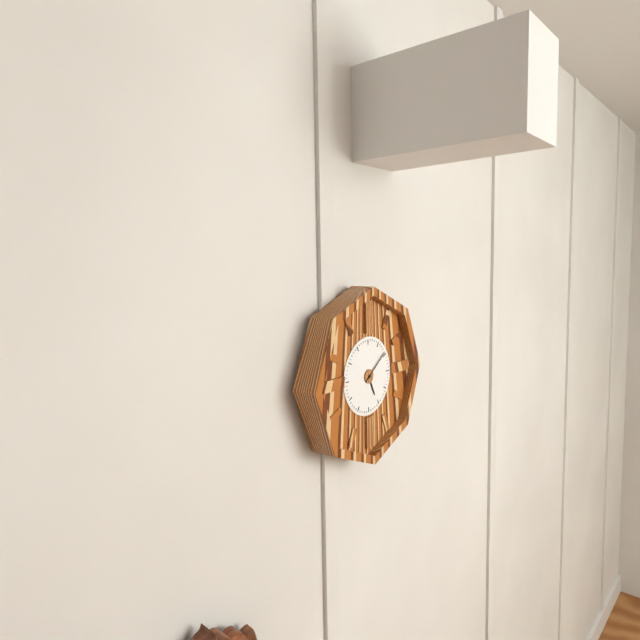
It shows 5h09
